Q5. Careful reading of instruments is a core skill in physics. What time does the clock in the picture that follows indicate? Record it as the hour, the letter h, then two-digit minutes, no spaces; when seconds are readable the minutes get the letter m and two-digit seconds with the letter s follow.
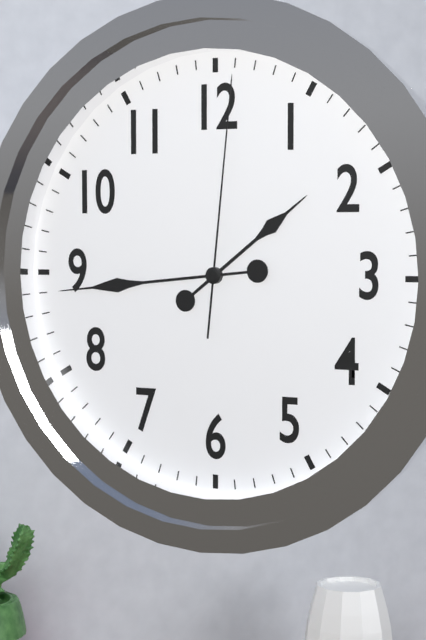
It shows 1h44m01s
